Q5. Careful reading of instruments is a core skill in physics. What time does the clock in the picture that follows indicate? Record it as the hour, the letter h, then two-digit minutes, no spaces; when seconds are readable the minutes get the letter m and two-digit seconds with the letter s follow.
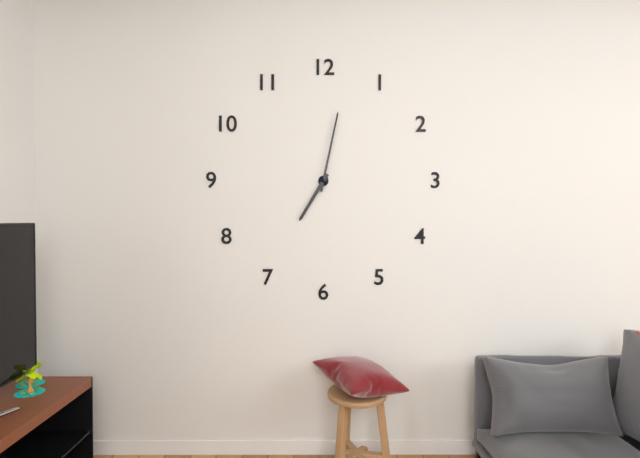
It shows 7h02
